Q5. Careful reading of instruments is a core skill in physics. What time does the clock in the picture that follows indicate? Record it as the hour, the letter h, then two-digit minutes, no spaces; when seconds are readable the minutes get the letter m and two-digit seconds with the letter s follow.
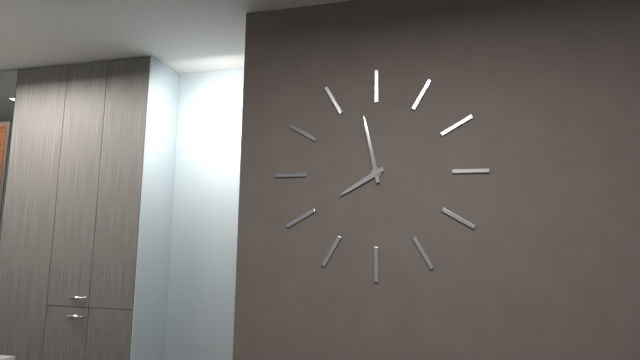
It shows 7h58
